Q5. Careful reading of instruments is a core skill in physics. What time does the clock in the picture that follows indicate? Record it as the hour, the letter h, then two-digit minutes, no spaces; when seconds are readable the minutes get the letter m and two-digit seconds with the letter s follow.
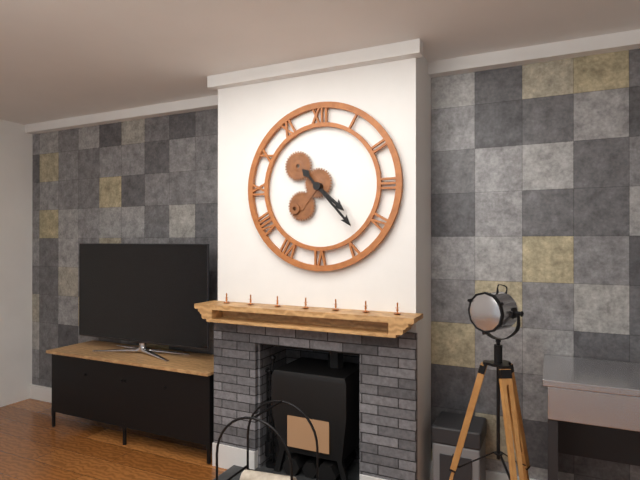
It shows 4h23
